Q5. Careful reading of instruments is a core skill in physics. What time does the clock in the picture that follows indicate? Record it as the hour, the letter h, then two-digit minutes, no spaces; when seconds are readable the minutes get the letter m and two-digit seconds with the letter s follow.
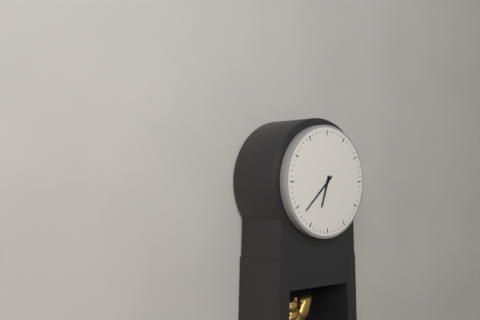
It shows 6h38
